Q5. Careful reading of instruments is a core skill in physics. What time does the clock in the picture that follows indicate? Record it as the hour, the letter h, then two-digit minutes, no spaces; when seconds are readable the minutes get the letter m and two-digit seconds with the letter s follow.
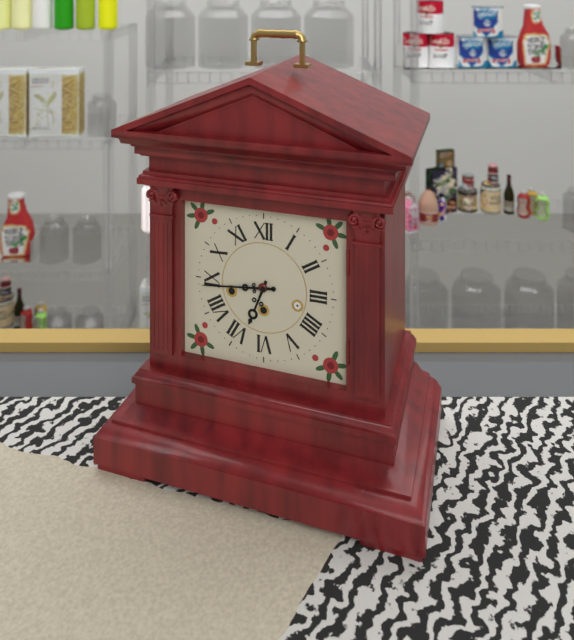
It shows 6h44
